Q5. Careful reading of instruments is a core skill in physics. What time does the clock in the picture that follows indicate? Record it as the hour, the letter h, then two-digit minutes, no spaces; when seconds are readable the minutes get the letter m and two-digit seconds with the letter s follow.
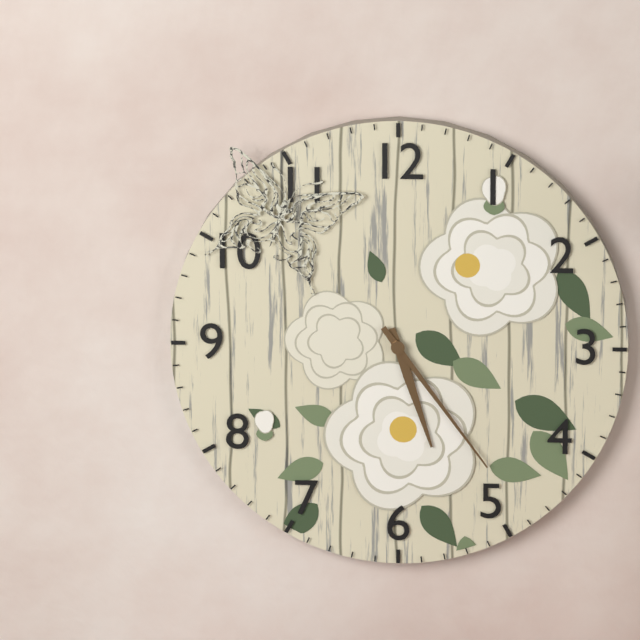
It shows 5h24
